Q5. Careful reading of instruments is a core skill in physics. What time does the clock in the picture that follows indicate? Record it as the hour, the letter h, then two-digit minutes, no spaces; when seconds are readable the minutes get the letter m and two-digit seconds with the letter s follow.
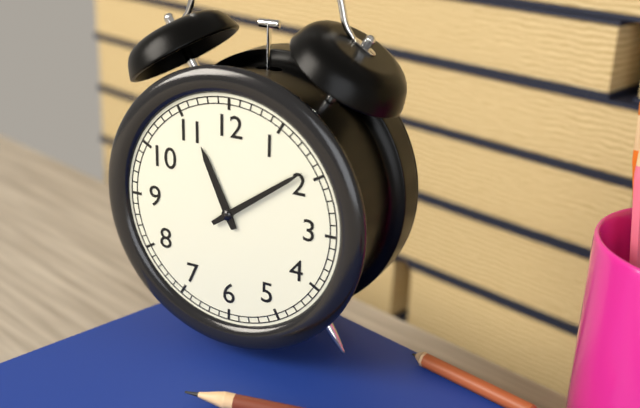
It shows 11h09
